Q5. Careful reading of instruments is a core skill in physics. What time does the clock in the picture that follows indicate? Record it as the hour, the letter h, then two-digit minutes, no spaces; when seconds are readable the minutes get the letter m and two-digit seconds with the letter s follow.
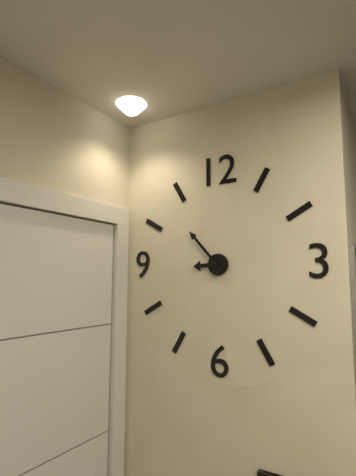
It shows 8h53
